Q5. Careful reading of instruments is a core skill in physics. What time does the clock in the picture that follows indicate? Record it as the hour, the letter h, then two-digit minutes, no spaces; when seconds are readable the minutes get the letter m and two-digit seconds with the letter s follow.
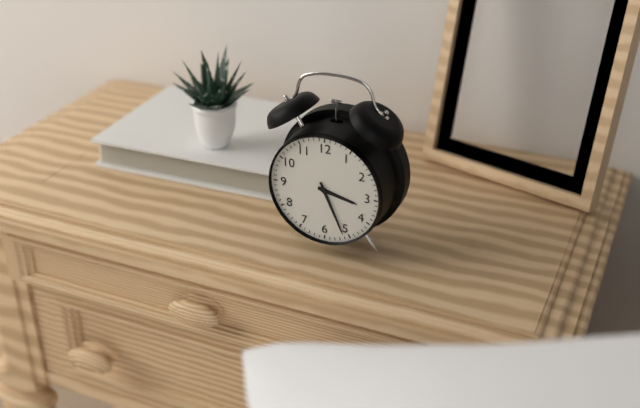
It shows 3h26
